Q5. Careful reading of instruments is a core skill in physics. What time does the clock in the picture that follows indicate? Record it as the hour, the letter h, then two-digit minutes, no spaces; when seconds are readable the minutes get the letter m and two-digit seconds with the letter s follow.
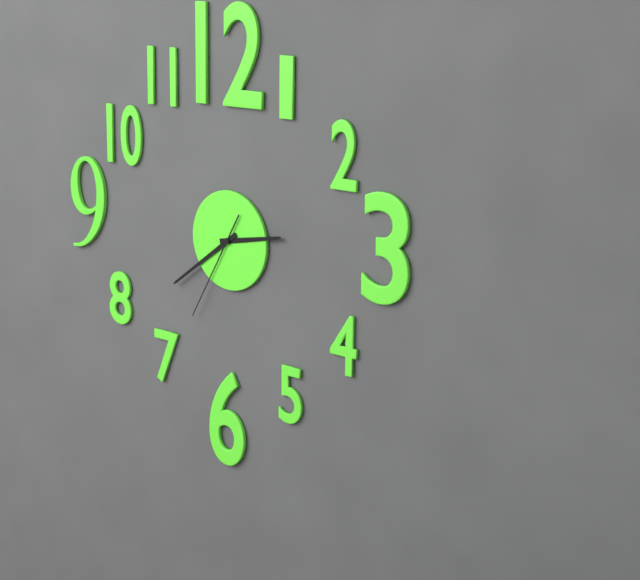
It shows 2h39m35s
